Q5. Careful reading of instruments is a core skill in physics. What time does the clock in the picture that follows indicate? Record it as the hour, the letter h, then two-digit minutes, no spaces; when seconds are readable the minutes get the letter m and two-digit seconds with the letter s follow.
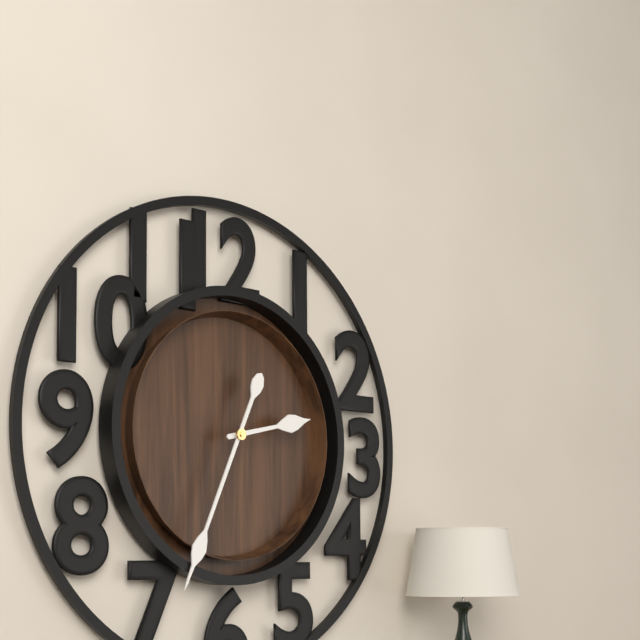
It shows 2h34
